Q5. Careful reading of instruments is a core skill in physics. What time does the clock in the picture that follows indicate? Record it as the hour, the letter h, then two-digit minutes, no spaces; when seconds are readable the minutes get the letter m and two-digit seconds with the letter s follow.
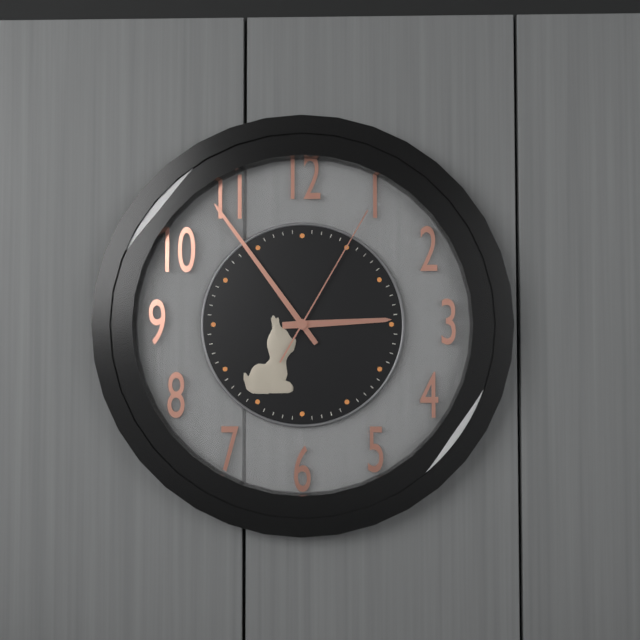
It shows 2h54m05s
